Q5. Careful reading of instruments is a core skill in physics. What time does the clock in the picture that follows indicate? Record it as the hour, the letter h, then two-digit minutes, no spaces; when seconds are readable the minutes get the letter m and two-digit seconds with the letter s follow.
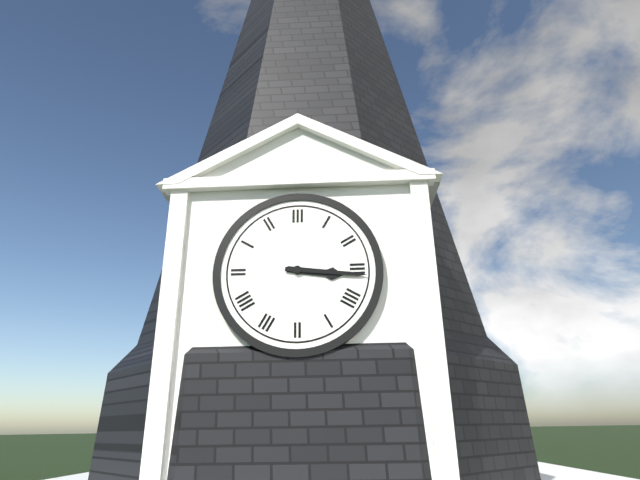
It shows 3h16
